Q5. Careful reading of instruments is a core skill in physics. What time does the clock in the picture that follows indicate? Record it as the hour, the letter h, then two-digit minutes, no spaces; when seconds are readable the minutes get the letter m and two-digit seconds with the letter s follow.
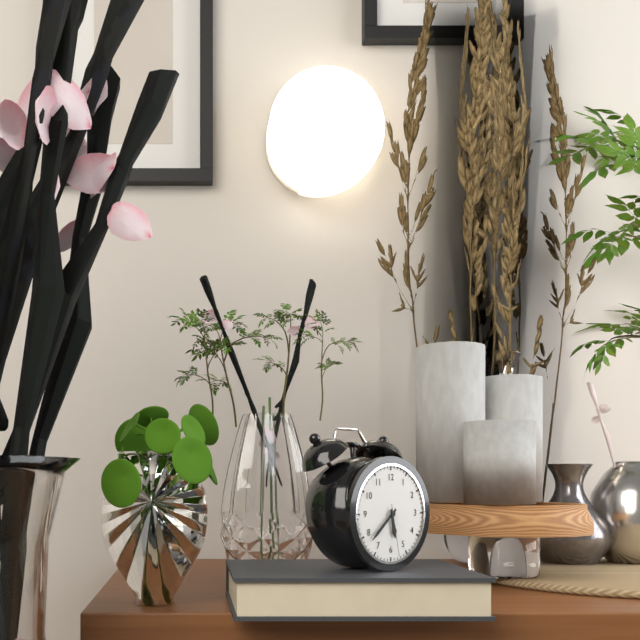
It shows 5h38m28s
